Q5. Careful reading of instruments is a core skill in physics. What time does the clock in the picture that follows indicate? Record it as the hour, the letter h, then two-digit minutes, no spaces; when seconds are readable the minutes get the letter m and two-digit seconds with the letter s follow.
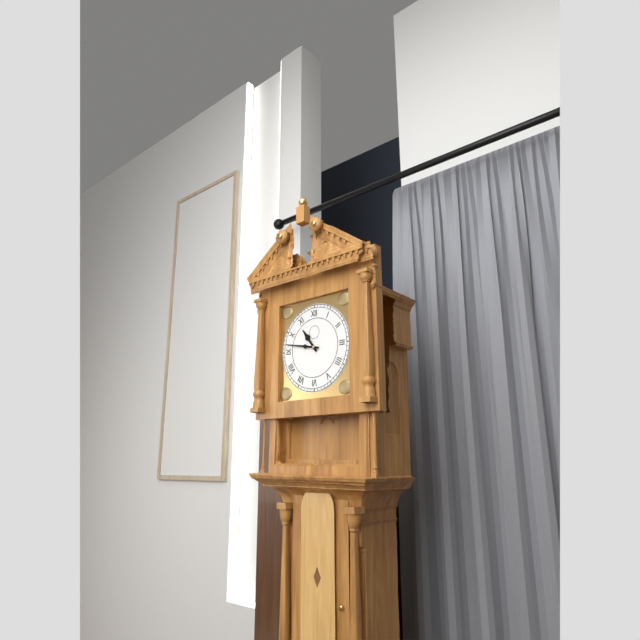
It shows 10h47
